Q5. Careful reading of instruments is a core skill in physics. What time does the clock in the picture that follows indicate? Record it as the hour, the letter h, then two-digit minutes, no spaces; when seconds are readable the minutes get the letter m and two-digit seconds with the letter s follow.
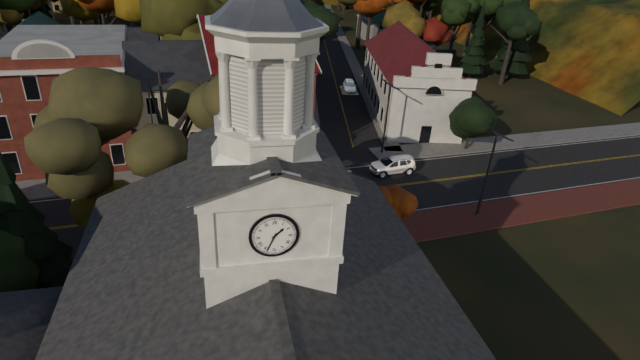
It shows 1h34
